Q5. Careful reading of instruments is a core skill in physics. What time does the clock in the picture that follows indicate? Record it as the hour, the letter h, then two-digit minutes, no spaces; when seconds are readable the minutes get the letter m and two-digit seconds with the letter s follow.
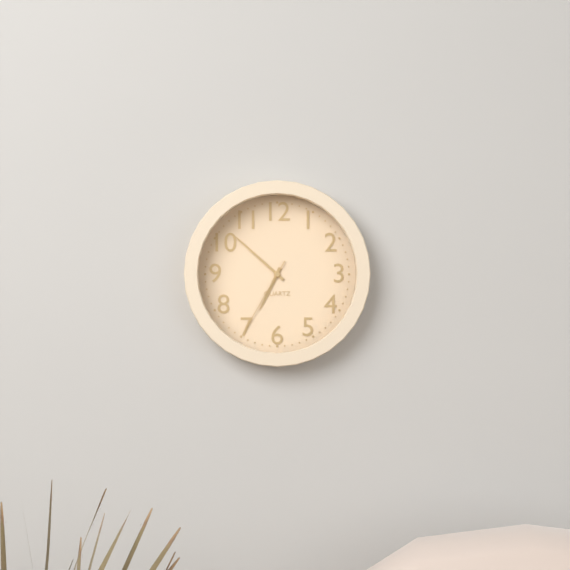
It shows 6h52m35s
